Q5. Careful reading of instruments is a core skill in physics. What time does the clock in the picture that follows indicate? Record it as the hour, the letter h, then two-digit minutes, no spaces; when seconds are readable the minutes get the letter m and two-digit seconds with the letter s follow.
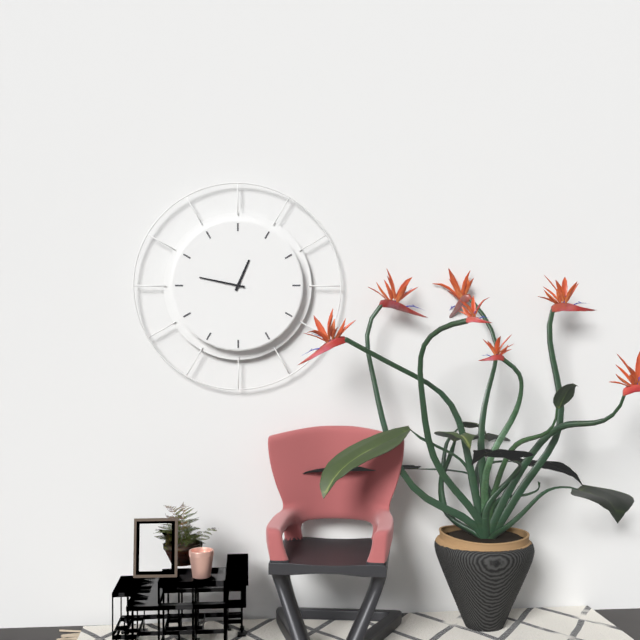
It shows 12h47
